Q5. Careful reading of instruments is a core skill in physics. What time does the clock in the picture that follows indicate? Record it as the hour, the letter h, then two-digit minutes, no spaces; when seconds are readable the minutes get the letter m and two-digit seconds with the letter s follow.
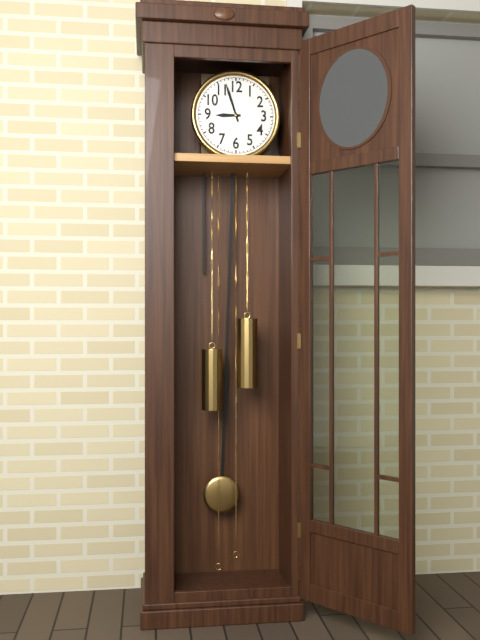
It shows 8h57
